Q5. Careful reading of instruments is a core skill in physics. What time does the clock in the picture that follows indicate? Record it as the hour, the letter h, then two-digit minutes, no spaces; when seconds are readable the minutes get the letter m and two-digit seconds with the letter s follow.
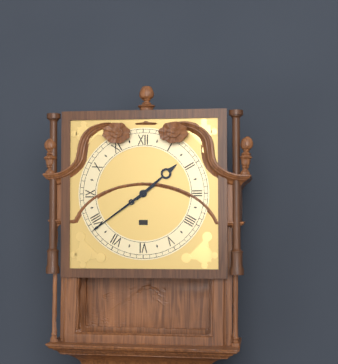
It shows 1h39
